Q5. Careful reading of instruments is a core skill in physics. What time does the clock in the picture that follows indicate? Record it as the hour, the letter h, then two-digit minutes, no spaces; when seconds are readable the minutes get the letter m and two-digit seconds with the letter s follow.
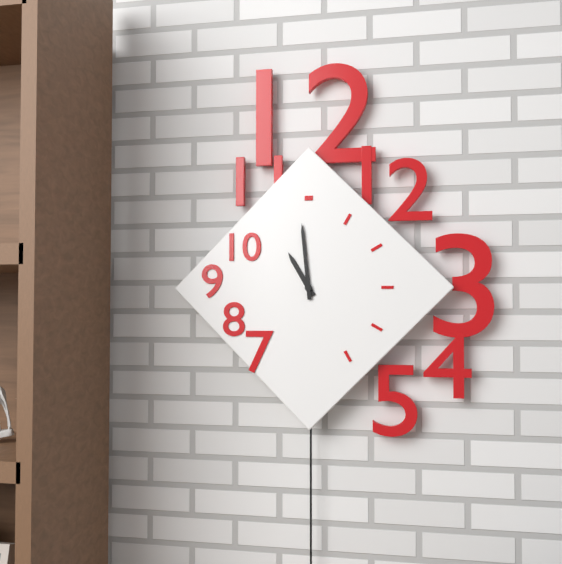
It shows 10h59
